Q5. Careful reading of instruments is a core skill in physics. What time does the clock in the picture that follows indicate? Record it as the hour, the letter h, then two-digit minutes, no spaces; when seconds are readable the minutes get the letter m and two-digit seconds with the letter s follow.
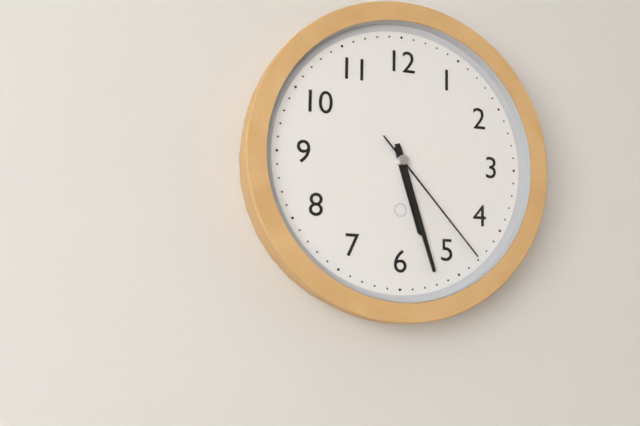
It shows 5h27m23s
